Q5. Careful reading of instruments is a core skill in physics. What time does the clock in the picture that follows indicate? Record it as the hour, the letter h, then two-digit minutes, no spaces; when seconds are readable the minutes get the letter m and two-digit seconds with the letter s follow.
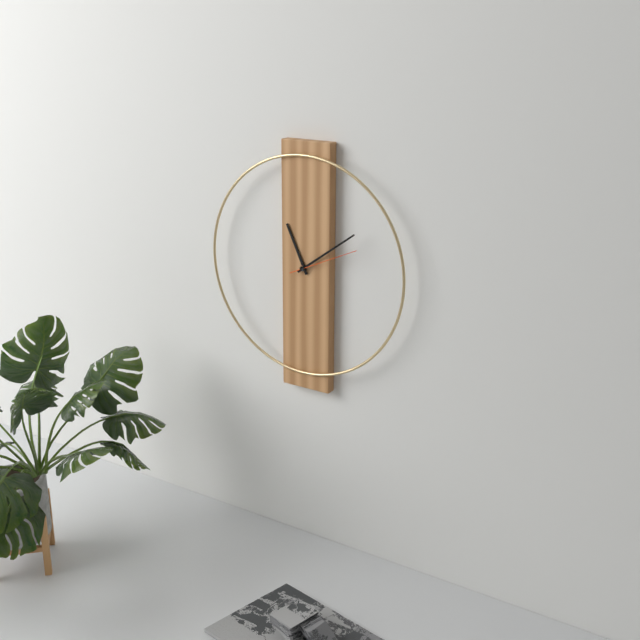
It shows 11h09m11s
